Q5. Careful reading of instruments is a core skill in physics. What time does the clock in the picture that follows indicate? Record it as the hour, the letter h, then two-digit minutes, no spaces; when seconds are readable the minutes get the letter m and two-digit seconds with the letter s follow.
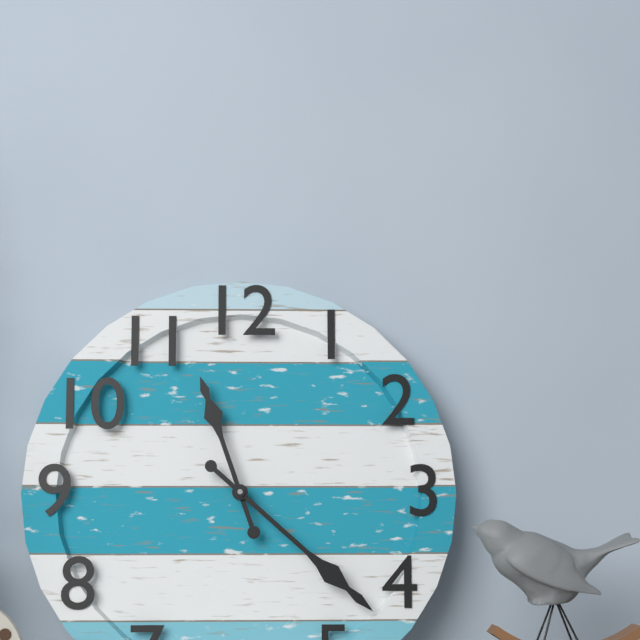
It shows 11h22
